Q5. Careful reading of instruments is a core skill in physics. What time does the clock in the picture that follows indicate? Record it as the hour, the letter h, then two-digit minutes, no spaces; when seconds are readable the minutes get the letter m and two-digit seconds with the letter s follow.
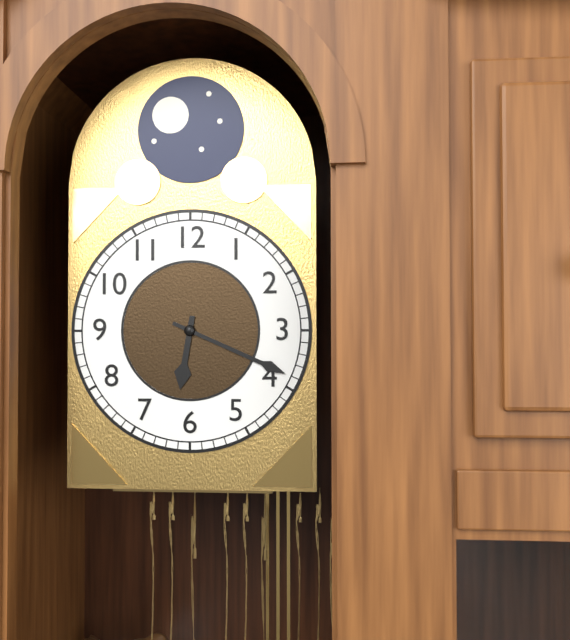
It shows 6h19
